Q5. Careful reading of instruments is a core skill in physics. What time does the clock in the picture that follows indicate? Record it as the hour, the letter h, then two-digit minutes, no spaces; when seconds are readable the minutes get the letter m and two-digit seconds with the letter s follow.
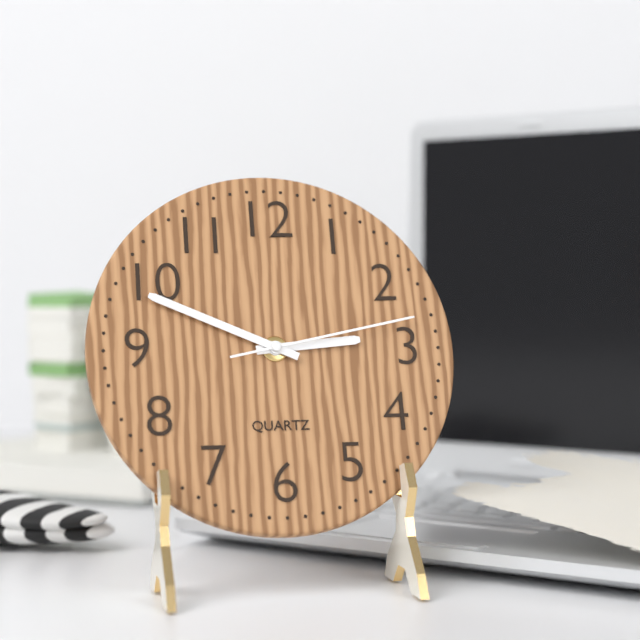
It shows 2h49m13s
